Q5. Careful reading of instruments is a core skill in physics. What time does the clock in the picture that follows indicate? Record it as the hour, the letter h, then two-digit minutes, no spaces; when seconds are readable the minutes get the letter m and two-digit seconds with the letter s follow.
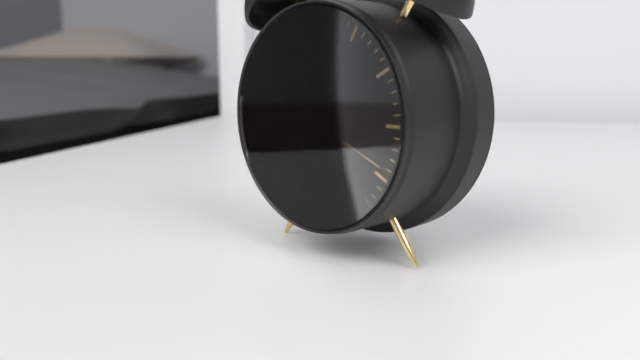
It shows 10h46m19s
